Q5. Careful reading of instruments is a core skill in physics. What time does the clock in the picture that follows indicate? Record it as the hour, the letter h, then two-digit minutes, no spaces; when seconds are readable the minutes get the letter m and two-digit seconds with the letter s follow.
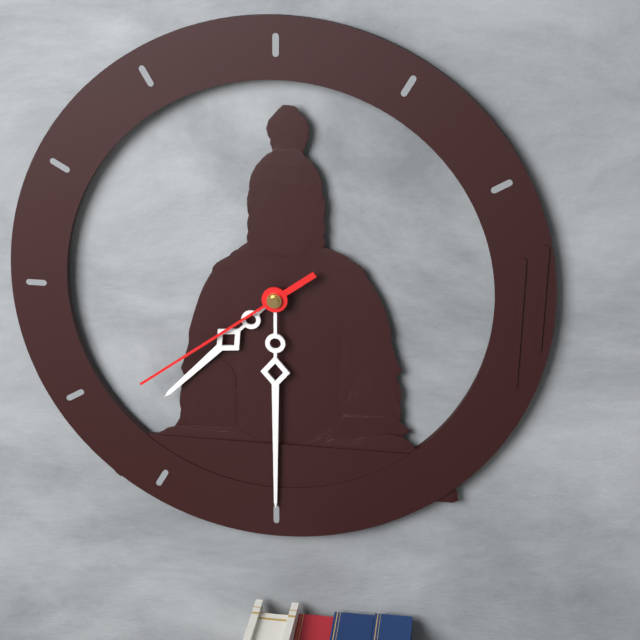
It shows 7h30m39s
